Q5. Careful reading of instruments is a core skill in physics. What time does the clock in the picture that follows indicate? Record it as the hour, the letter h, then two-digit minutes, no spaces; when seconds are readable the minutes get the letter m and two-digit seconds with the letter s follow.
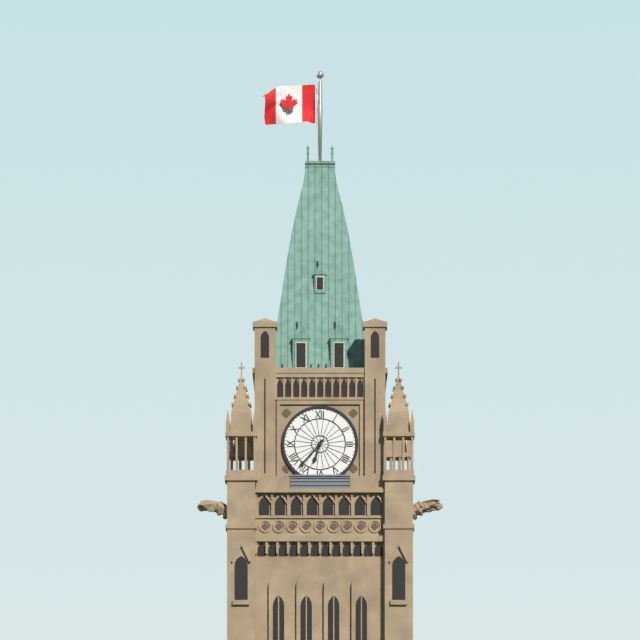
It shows 6h37
